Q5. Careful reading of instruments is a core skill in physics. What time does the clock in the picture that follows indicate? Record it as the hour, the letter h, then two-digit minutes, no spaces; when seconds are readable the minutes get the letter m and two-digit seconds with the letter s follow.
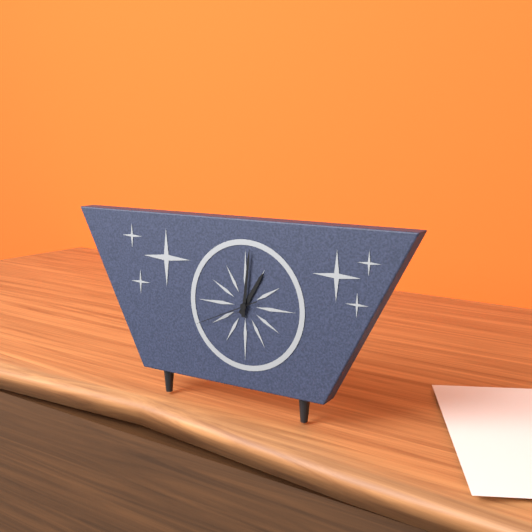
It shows 1h01m41s
